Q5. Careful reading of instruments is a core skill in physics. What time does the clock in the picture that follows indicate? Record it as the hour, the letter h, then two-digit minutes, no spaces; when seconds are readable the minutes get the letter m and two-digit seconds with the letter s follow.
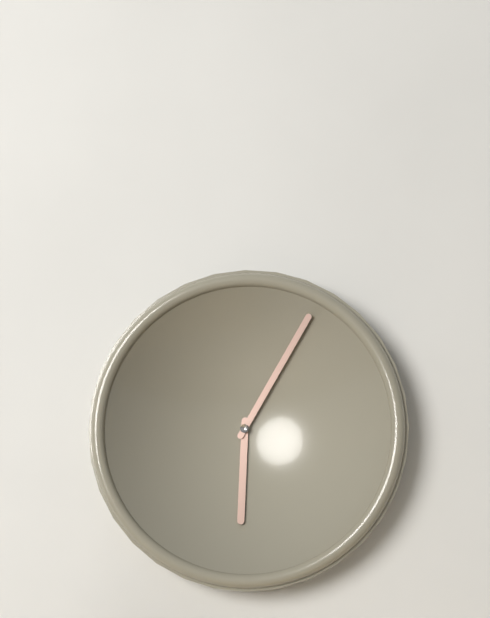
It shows 6h05
